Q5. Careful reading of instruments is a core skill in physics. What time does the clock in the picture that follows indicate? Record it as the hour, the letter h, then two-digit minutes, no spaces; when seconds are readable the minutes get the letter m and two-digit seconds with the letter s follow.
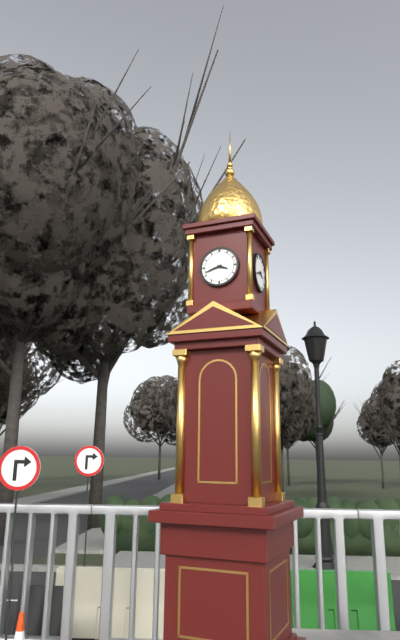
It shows 3h42
